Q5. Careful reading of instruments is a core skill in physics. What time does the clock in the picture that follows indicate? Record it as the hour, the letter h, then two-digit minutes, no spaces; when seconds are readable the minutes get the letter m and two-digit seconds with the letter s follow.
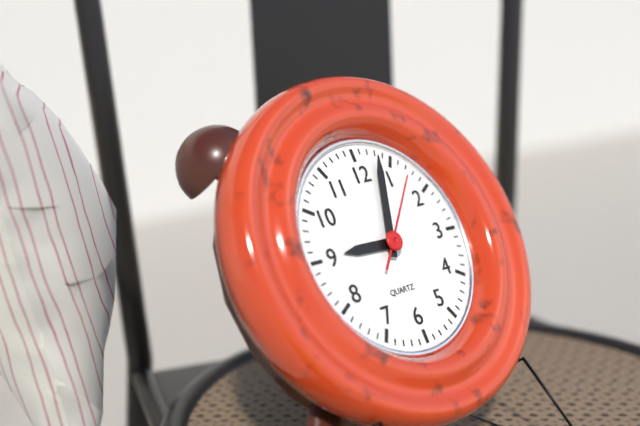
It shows 9h03m07s
